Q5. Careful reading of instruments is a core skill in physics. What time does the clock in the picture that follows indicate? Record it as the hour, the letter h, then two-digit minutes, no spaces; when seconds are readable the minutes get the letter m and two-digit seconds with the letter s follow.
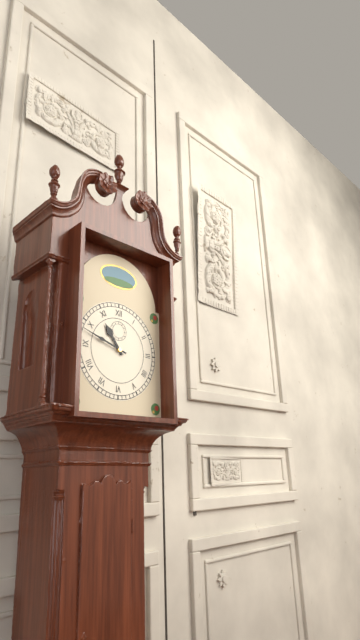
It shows 10h48
